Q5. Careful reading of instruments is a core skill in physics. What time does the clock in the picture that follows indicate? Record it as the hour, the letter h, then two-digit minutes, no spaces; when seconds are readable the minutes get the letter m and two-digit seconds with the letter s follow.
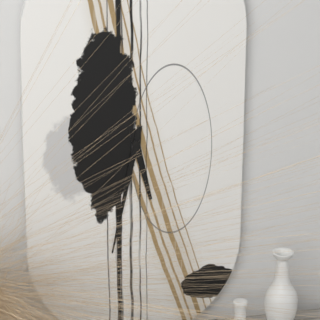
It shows 5h32
